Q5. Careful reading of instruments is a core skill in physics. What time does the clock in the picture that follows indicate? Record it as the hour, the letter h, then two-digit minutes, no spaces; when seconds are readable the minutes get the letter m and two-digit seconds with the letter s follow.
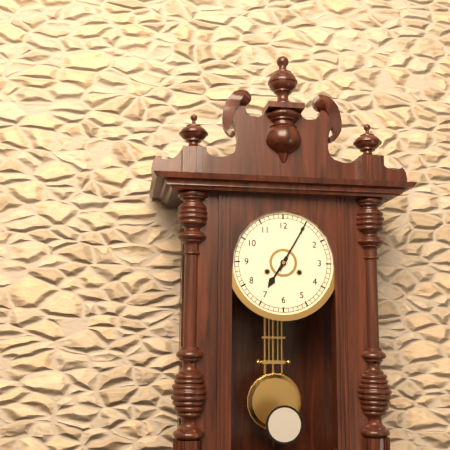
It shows 7h05
